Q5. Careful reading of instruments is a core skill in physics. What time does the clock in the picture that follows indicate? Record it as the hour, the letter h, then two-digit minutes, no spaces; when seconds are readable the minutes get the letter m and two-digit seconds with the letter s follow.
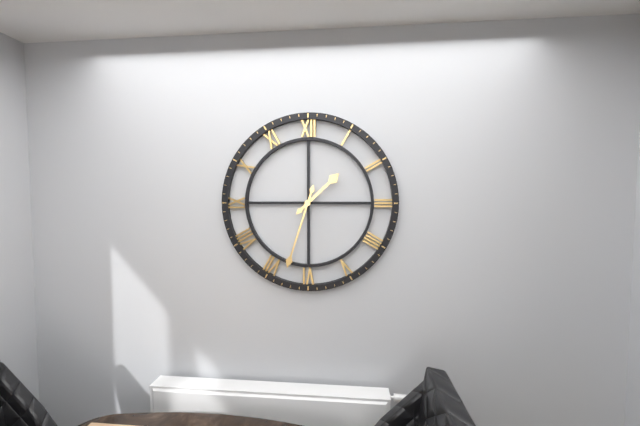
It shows 1h33
